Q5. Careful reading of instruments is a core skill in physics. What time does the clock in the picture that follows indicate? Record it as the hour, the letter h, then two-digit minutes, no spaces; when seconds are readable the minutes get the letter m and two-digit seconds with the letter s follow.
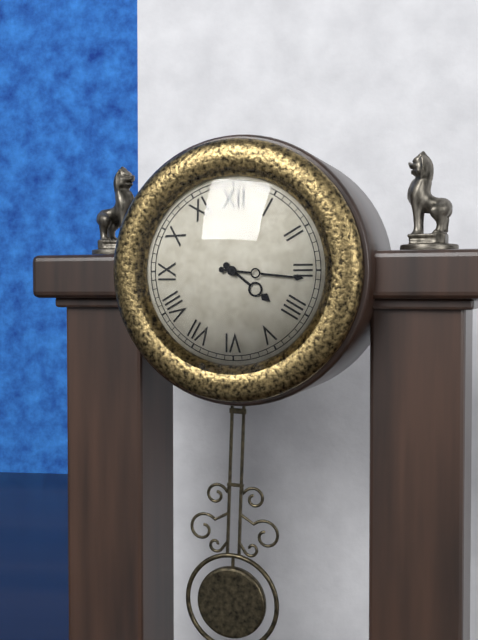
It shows 4h16
